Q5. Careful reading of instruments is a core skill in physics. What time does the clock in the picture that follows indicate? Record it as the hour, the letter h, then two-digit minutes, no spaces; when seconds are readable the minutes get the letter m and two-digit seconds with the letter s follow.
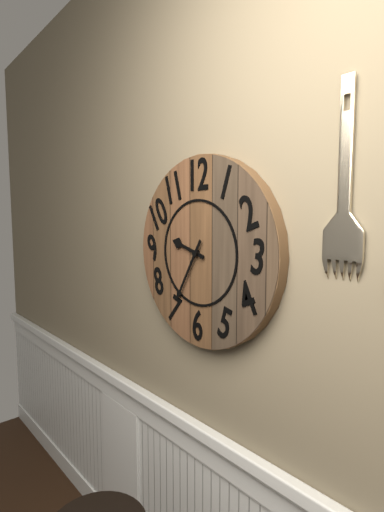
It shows 9h35
